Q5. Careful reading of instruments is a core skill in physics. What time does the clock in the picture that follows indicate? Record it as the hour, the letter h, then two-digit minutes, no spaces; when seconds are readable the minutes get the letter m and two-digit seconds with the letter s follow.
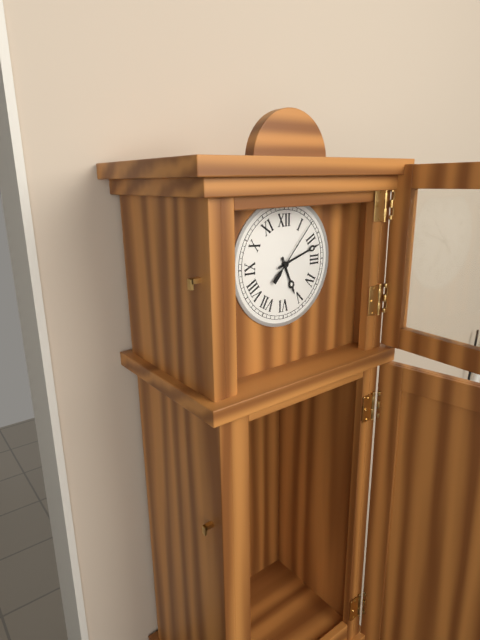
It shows 5h12m07s
